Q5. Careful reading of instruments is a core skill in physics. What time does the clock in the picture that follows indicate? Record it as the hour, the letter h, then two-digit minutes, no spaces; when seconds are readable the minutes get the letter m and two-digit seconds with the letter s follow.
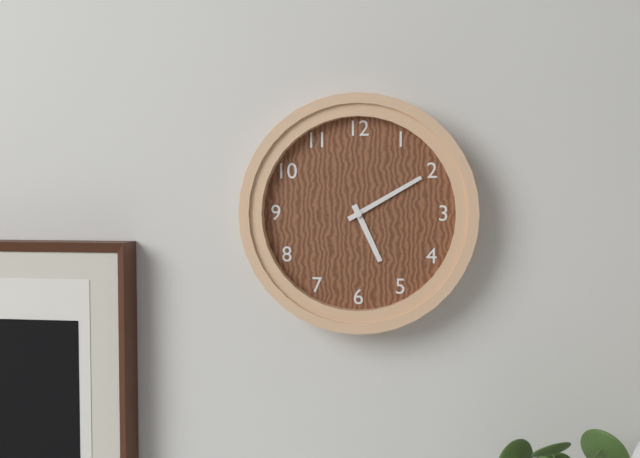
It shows 5h10
